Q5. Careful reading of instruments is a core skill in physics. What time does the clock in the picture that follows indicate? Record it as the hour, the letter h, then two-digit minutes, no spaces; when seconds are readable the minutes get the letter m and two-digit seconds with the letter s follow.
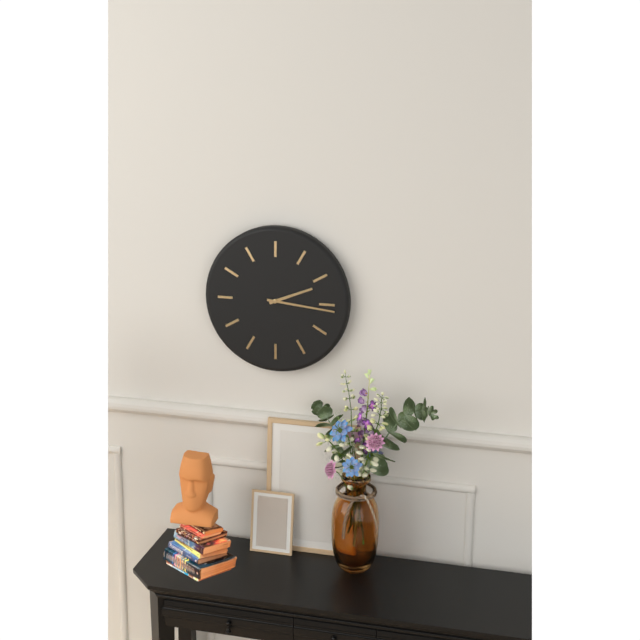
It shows 2h16
